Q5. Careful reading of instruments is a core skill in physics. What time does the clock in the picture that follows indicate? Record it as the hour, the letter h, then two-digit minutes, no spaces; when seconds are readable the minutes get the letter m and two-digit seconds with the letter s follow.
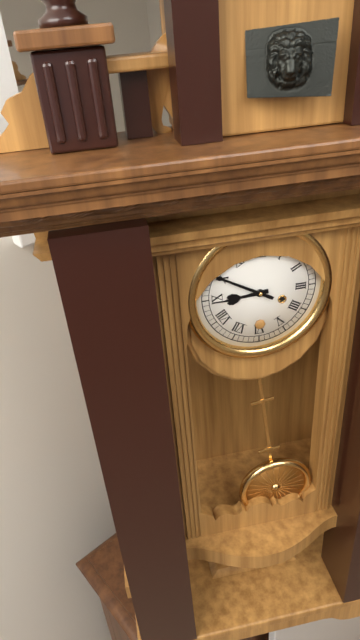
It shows 8h50
